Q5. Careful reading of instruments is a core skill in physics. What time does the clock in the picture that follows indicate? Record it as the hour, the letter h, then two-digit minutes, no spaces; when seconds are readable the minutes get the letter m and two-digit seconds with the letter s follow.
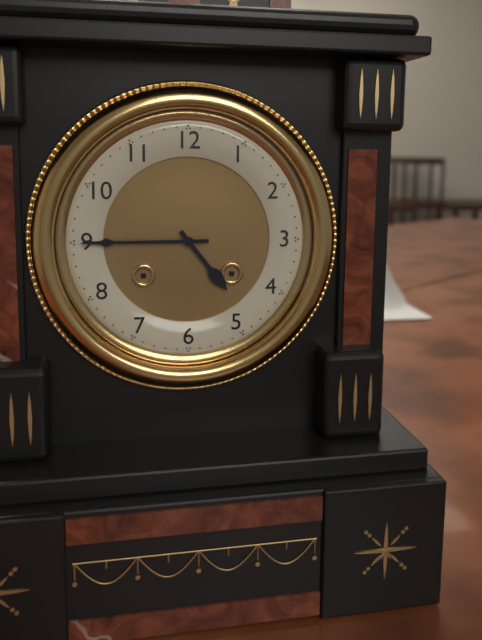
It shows 4h45
